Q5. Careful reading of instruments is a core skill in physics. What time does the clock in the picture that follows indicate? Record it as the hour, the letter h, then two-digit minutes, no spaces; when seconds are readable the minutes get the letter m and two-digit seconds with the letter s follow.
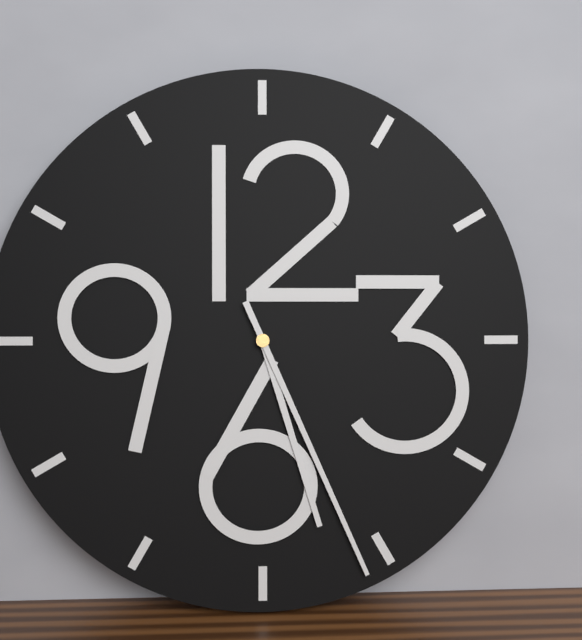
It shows 5h26
